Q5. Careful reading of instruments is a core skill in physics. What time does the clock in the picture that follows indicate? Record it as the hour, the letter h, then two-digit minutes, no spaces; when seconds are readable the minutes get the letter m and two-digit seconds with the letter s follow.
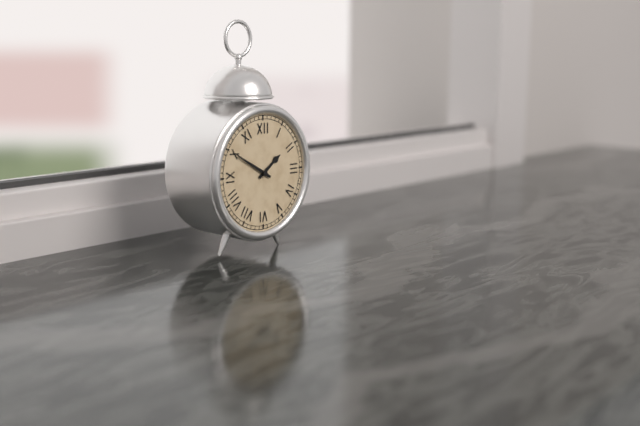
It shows 1h50
